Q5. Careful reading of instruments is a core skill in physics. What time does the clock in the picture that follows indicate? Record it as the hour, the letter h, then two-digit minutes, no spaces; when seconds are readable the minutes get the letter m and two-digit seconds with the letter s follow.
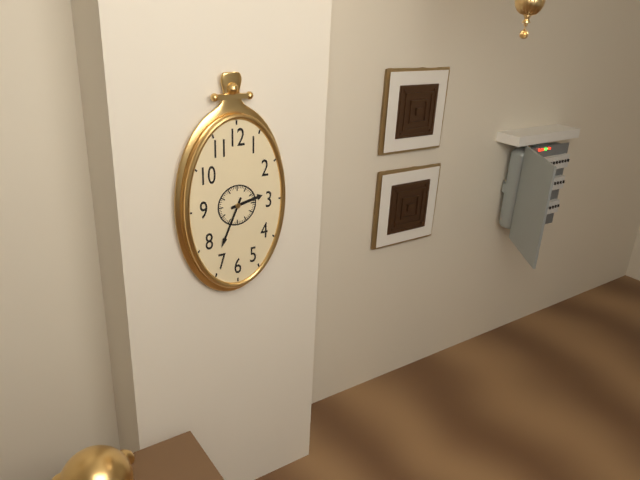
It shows 2h34
